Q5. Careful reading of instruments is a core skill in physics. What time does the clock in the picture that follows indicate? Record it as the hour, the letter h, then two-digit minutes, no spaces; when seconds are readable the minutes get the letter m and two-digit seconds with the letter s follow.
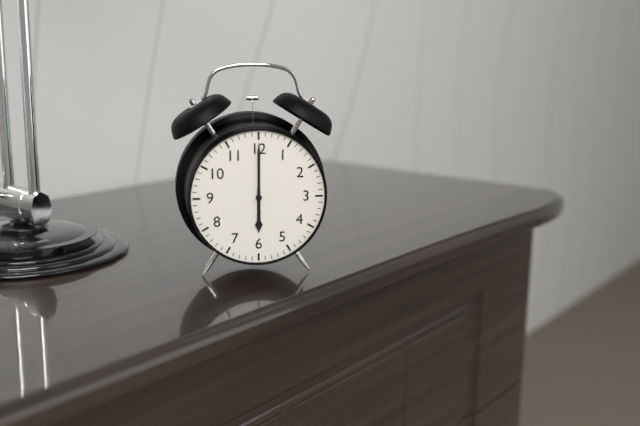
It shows 6h00
